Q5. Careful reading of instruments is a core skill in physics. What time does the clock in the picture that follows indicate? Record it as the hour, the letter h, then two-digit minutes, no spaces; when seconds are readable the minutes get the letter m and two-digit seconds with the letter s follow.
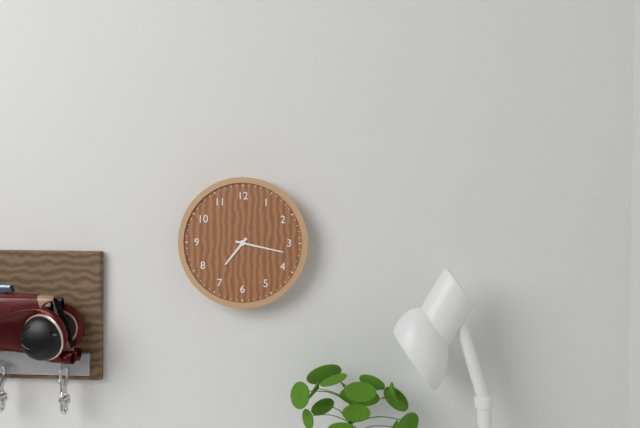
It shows 7h17
